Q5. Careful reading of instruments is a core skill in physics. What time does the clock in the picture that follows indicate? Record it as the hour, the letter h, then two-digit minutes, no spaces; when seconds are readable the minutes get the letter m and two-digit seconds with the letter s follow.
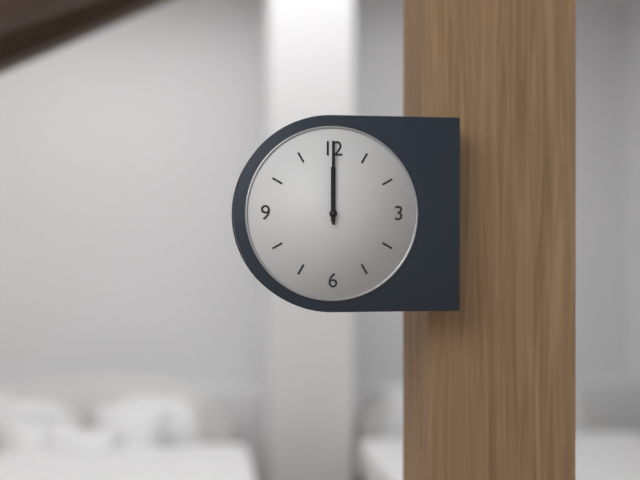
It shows 12h00
